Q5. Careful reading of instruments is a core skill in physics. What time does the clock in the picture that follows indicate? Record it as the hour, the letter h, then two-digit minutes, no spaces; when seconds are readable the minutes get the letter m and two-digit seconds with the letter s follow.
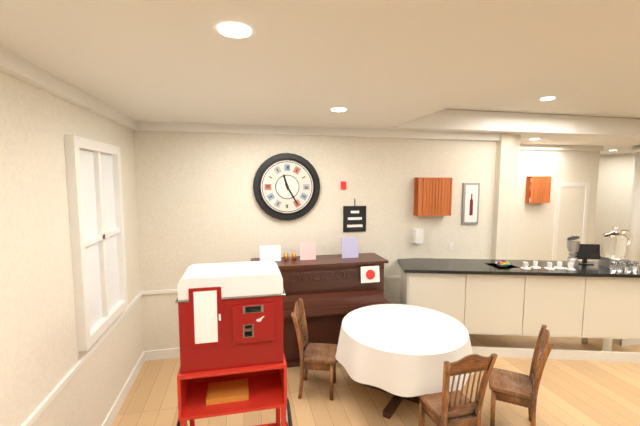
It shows 11h25
